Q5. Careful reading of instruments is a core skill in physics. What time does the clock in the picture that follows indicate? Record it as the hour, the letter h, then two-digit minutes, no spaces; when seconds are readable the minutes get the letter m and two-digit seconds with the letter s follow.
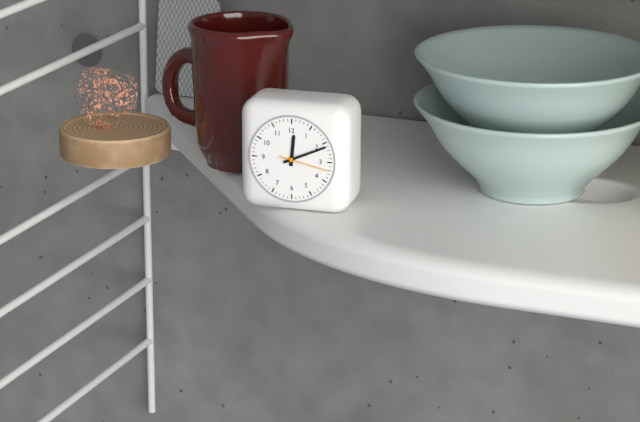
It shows 12h11
